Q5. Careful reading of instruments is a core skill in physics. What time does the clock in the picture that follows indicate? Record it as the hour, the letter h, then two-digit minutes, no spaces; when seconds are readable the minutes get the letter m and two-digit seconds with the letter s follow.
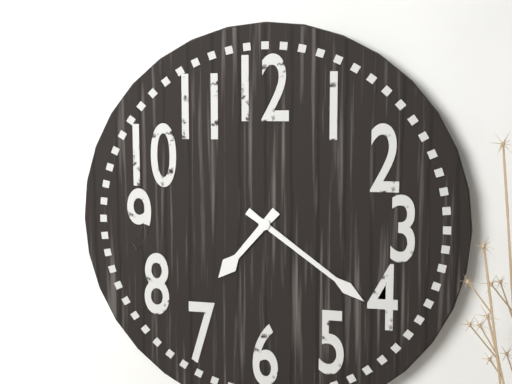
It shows 7h21
